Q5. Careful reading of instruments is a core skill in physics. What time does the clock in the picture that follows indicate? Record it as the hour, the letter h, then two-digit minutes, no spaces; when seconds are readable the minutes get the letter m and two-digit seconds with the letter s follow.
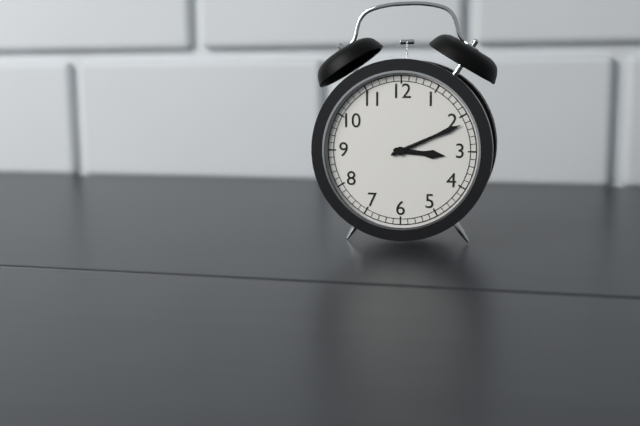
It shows 3h11
